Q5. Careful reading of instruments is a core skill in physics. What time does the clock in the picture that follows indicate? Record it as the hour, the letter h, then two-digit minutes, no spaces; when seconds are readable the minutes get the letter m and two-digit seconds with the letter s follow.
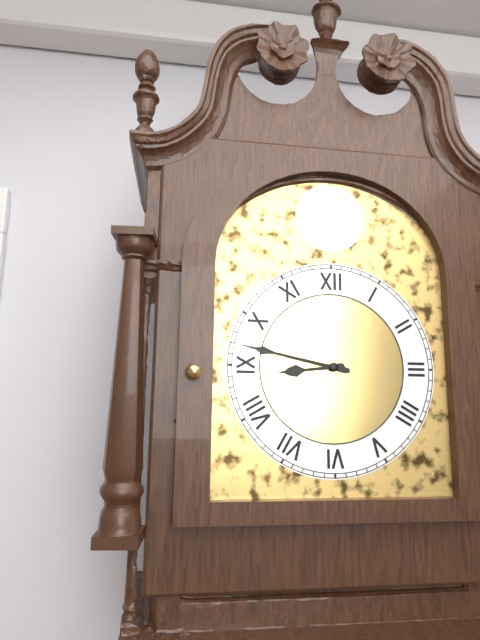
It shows 8h47
